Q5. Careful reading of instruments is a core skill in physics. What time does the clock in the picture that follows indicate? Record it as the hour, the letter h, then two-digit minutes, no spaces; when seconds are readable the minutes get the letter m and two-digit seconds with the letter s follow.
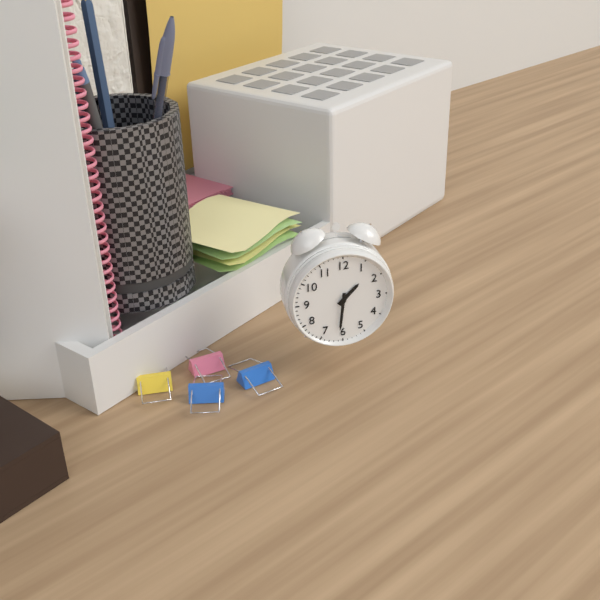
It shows 1h31
